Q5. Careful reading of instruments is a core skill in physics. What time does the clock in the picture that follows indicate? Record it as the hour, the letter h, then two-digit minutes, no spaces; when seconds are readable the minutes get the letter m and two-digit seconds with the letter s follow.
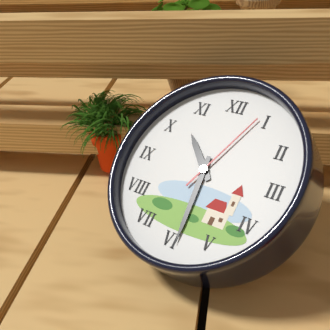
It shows 10h29m04s
